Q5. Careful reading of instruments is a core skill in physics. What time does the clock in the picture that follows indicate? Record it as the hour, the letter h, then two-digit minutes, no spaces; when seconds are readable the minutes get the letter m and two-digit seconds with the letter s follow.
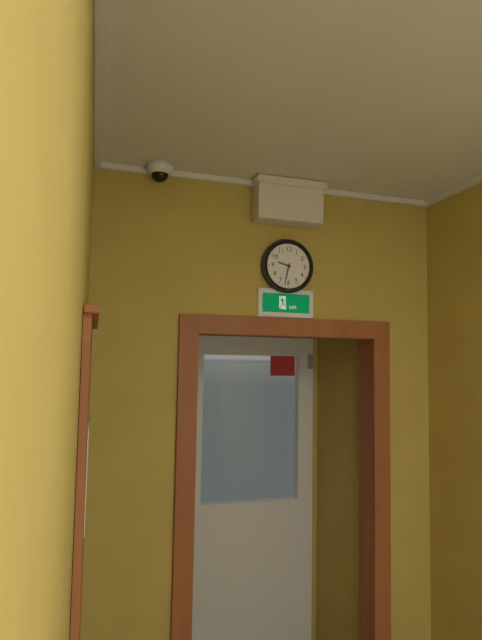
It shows 9h32
